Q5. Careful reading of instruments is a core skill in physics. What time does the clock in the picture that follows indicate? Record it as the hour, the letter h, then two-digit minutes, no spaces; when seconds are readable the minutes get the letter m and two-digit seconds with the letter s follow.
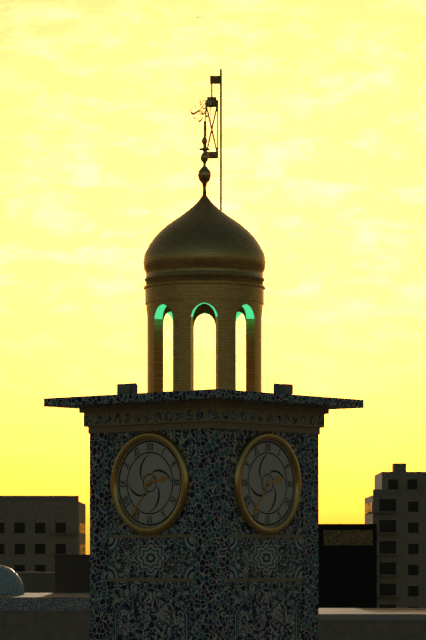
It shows 2h36
